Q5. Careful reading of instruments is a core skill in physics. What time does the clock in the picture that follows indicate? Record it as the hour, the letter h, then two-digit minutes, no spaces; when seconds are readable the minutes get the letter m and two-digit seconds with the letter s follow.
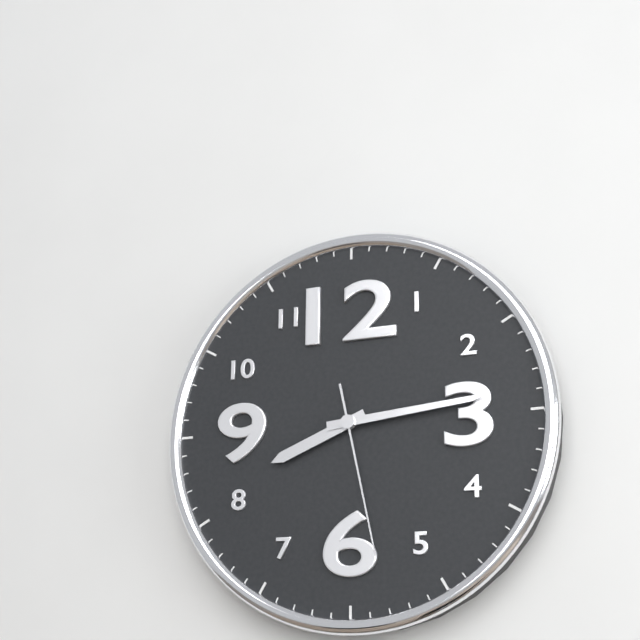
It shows 8h14m28s
